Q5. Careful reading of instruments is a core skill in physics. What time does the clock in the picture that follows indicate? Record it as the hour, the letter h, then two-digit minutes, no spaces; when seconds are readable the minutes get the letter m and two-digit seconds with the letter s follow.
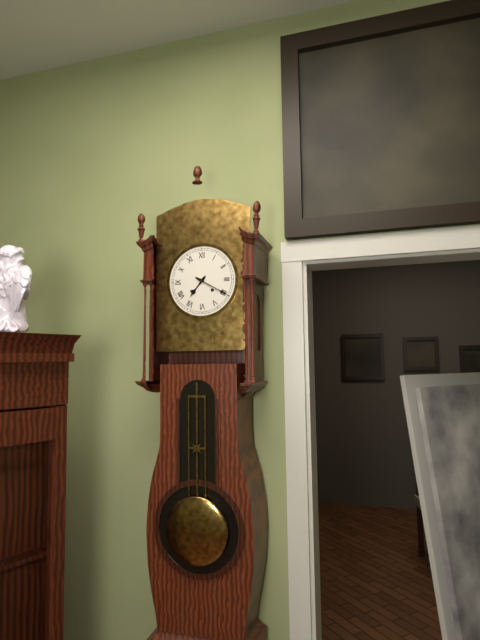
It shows 7h20
